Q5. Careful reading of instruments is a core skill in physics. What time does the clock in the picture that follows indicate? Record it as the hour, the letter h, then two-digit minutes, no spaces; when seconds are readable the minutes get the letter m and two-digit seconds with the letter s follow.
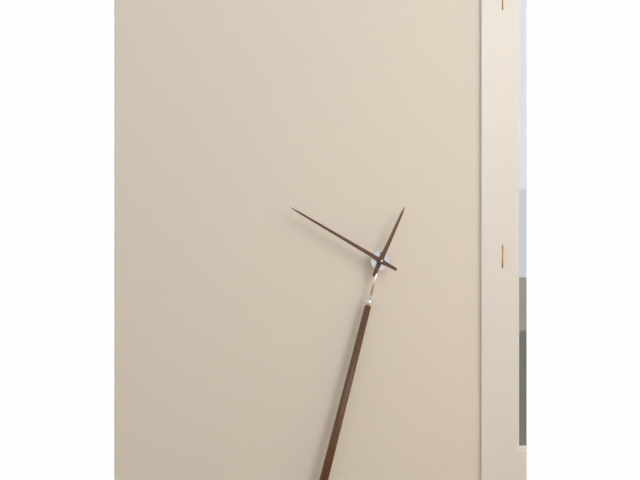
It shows 12h50
